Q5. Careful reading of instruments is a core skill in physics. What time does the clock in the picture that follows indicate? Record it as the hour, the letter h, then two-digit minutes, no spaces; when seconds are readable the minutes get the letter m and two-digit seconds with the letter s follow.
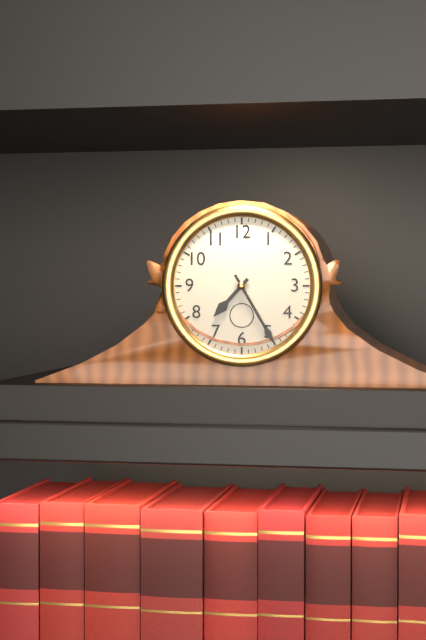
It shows 7h25
